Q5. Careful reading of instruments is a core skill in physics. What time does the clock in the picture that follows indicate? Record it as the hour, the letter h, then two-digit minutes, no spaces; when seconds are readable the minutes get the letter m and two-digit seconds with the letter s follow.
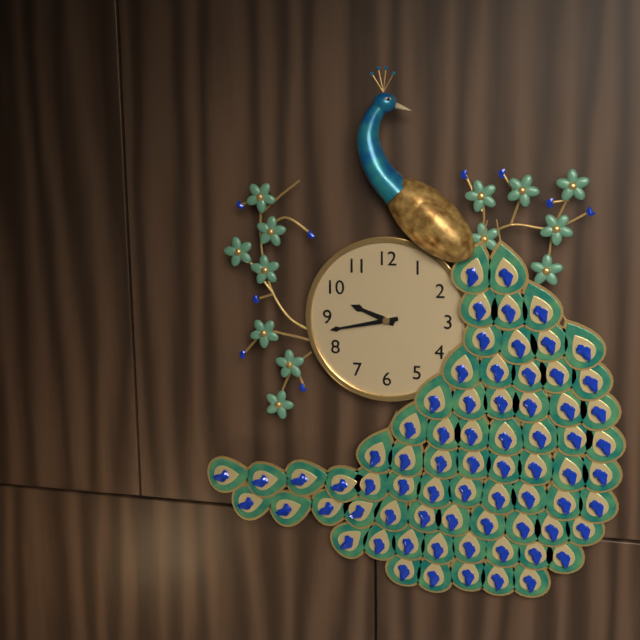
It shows 9h43
